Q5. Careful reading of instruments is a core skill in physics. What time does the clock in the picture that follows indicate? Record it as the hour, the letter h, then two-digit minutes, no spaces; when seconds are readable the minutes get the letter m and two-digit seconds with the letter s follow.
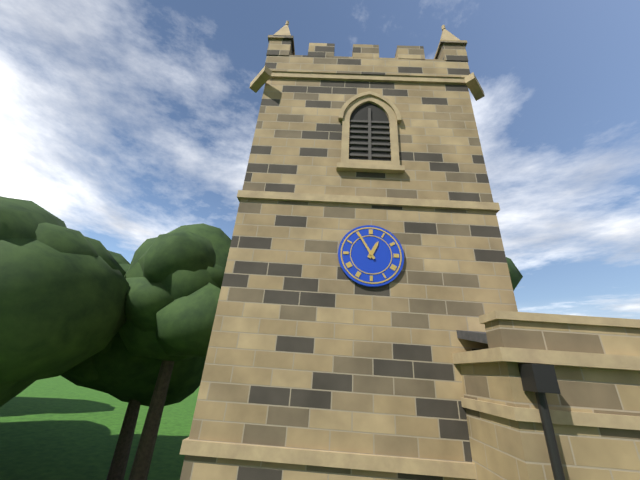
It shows 12h55
